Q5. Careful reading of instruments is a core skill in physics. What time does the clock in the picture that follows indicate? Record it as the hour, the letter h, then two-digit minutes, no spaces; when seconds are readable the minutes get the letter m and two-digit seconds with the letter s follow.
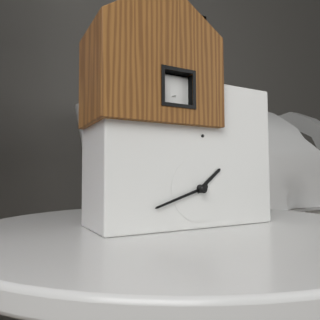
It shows 1h42
